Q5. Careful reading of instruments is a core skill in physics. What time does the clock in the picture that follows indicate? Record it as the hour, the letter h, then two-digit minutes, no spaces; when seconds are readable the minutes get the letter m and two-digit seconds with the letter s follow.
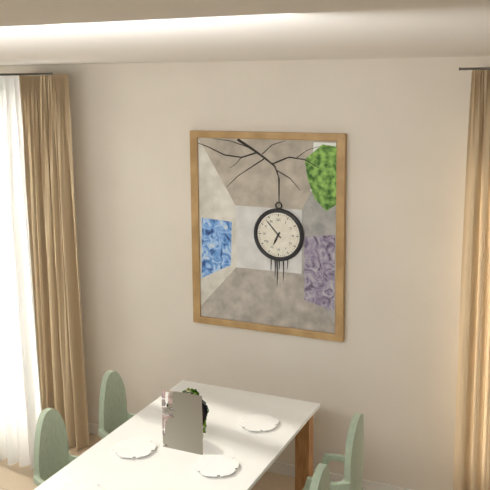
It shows 6h53
